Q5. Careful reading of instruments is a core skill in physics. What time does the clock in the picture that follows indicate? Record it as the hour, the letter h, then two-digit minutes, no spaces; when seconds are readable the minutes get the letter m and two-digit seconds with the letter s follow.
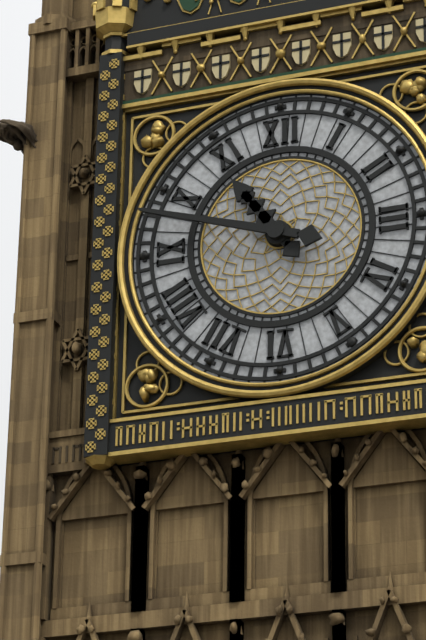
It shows 10h48
